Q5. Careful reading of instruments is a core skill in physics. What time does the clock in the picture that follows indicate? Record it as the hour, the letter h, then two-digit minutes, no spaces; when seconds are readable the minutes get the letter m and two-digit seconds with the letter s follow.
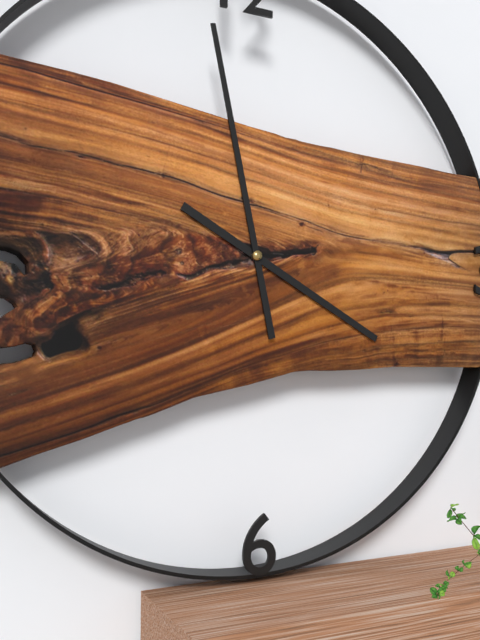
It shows 3h58
